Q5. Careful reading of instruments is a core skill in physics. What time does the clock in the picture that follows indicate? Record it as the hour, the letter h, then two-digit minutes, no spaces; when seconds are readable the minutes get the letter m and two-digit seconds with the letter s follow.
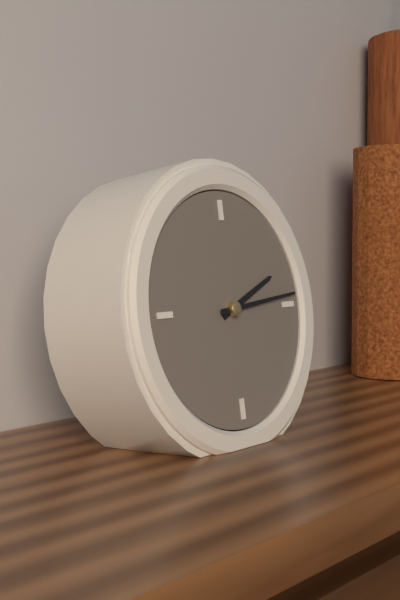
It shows 2h14
